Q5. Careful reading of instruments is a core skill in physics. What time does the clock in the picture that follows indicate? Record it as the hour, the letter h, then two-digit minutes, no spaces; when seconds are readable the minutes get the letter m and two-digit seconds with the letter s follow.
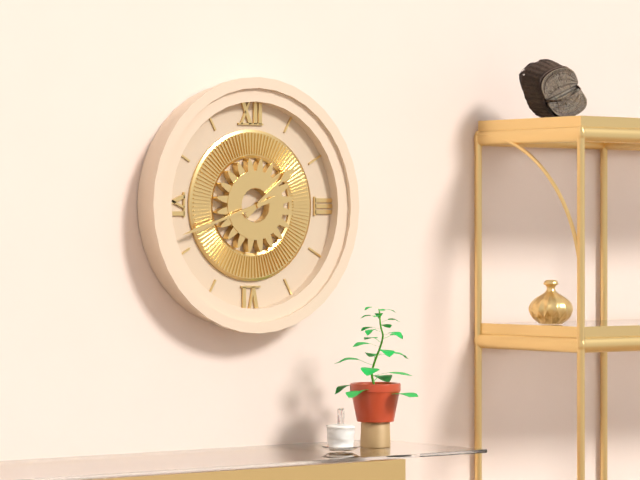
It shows 1h42
